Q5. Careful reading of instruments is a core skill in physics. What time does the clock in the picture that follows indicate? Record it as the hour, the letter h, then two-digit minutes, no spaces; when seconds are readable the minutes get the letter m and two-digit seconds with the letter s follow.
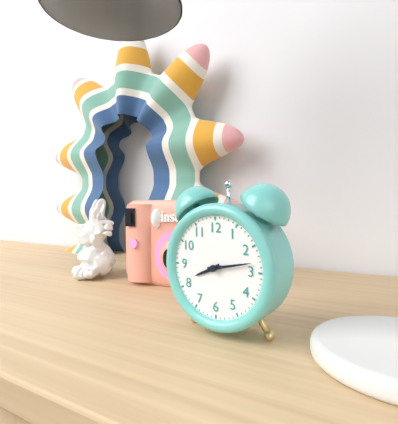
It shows 8h13
